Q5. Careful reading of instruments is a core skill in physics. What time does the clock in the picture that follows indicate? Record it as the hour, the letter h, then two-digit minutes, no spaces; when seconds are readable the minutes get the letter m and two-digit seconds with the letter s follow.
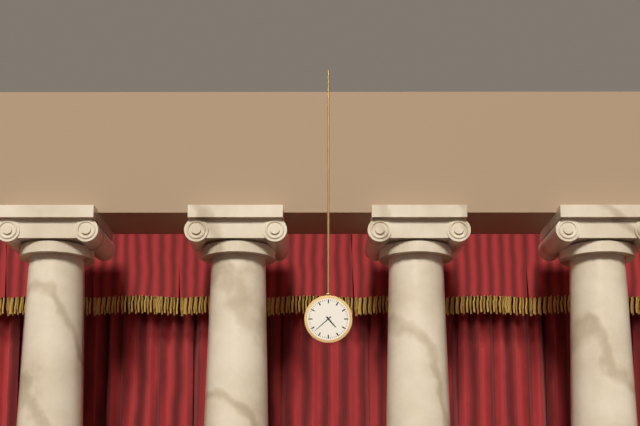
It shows 4h38
